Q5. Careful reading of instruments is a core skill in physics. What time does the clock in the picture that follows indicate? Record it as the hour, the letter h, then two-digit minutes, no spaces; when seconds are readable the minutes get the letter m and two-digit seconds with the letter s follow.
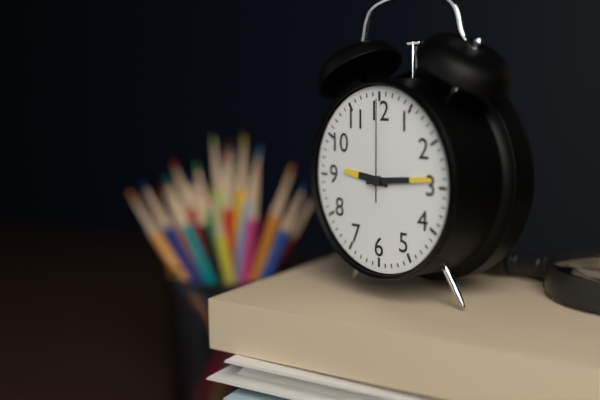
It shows 9h14m00s
